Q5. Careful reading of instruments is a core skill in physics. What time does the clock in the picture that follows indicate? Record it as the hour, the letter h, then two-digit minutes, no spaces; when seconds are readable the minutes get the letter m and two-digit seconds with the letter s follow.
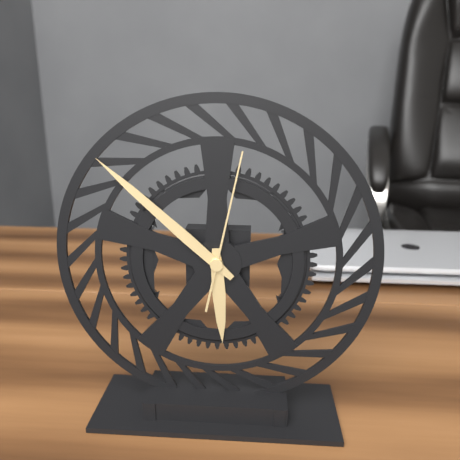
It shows 5h52m02s
